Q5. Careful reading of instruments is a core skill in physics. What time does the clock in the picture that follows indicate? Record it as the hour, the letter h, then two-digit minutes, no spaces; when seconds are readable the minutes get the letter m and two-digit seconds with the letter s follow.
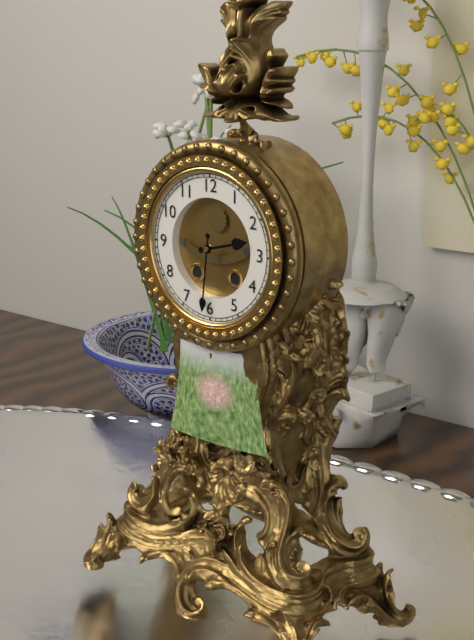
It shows 2h31
